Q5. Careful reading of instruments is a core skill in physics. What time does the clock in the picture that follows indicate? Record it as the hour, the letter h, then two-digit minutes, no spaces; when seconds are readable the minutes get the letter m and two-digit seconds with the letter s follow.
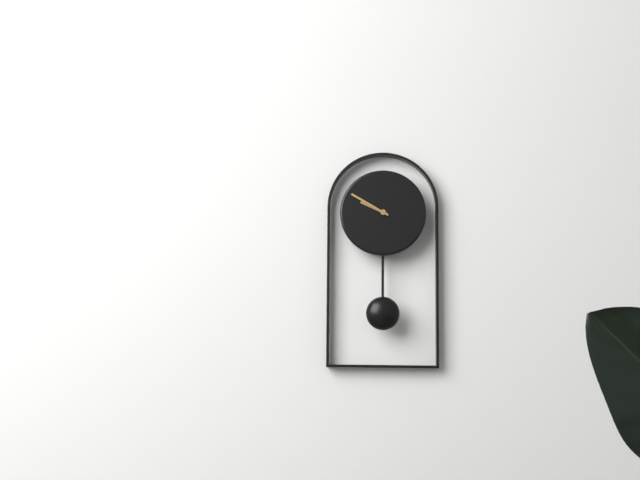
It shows 9h50
